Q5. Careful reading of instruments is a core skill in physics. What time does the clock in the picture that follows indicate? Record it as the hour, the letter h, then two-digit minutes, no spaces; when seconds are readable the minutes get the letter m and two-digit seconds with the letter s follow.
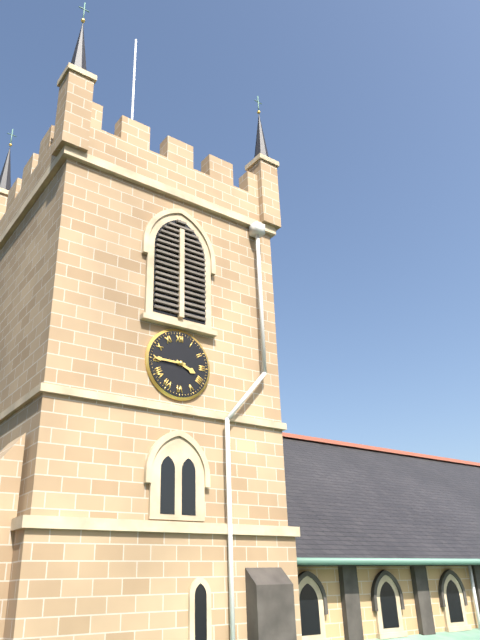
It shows 3h45
